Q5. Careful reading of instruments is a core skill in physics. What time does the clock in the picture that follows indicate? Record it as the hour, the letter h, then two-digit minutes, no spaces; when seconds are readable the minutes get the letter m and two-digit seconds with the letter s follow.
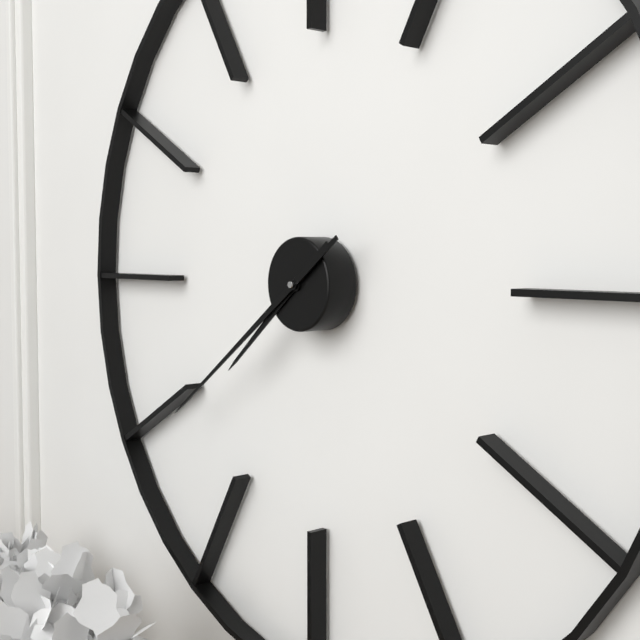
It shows 7h39
